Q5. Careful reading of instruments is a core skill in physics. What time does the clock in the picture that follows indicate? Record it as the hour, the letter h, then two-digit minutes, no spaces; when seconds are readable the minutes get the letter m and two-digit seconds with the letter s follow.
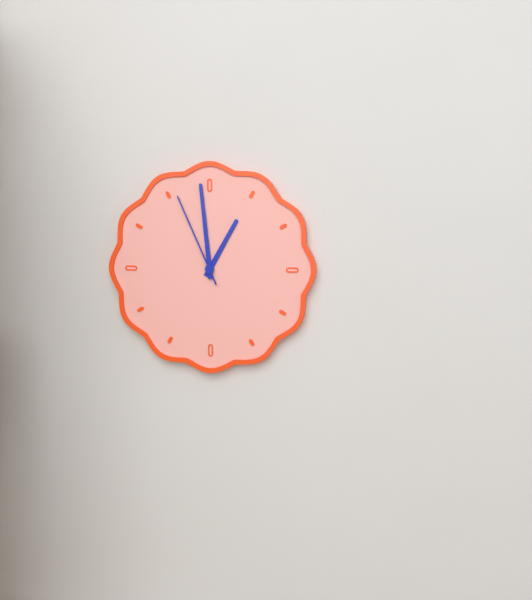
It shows 12h59m56s
